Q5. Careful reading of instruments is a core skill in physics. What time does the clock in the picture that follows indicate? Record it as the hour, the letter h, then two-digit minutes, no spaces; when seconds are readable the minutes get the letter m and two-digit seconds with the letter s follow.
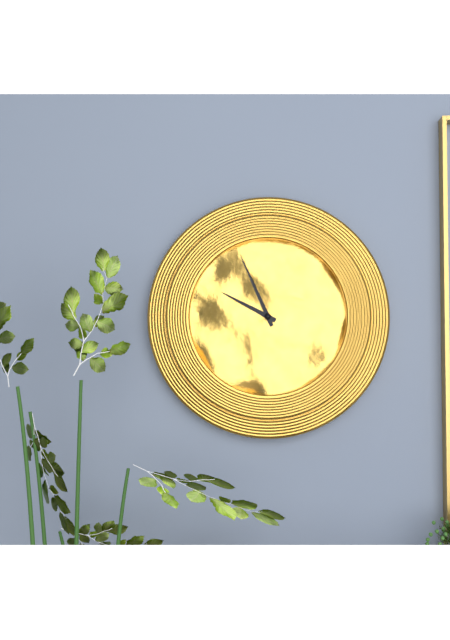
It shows 9h56
